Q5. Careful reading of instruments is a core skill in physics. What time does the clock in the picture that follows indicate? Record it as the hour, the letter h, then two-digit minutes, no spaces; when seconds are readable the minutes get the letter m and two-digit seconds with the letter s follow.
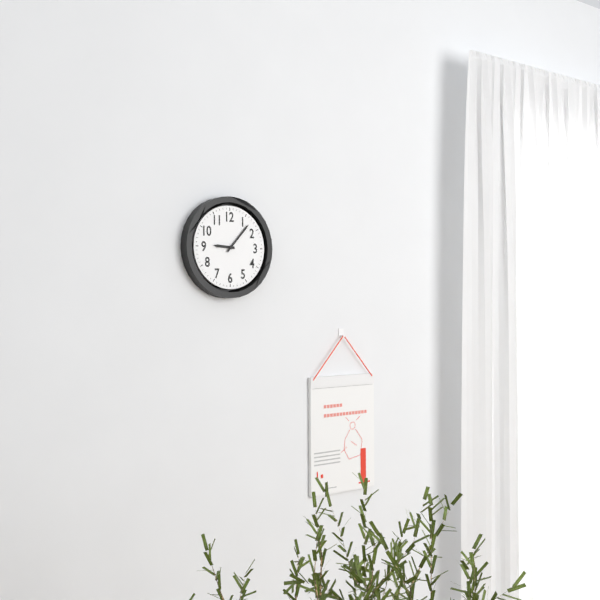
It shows 9h07
